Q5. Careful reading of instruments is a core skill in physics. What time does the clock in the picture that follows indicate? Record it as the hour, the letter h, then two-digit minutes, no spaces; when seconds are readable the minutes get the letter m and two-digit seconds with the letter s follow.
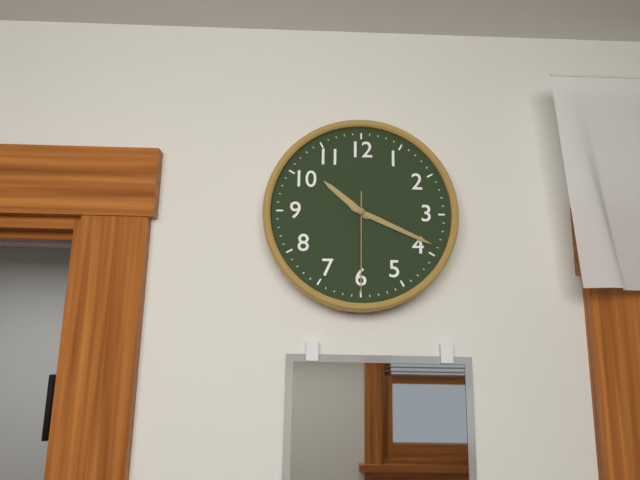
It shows 10h19m30s
